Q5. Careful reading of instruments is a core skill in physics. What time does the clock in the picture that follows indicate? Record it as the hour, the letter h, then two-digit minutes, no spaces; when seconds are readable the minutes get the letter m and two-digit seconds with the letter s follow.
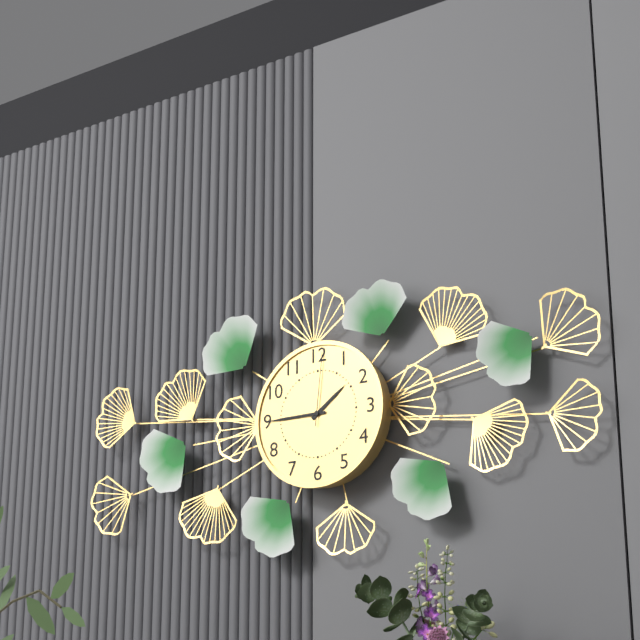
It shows 1h45m01s
